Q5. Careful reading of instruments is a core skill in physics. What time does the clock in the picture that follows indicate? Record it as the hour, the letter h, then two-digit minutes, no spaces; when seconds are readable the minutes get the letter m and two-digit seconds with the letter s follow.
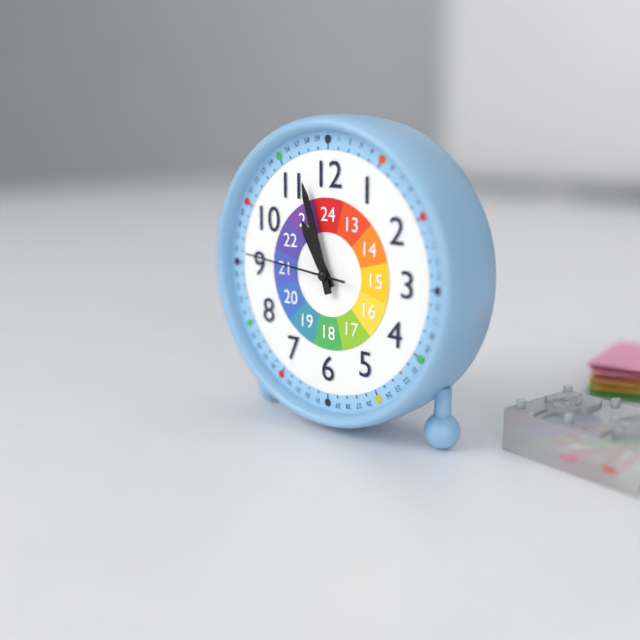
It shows 10h57m46s
